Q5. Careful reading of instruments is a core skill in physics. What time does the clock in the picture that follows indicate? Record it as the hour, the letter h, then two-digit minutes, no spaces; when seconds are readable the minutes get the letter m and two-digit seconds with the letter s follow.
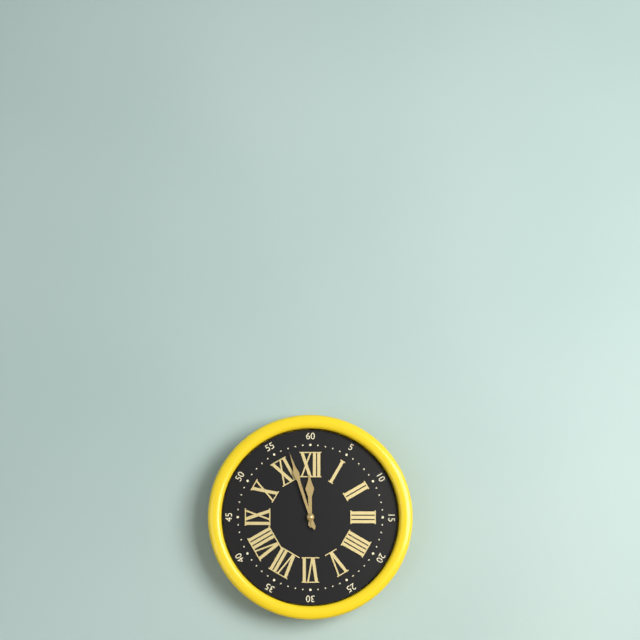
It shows 11h57
